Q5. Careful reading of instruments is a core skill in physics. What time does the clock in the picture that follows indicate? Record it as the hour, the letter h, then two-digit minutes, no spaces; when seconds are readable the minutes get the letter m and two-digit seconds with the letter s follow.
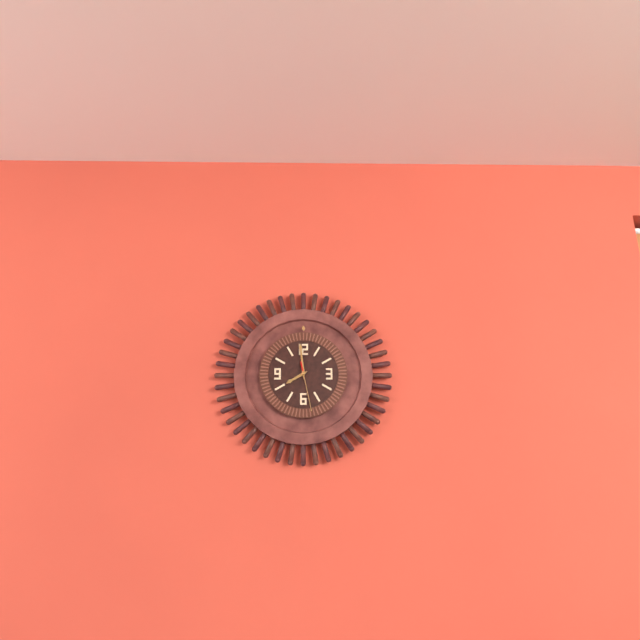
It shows 7h59
